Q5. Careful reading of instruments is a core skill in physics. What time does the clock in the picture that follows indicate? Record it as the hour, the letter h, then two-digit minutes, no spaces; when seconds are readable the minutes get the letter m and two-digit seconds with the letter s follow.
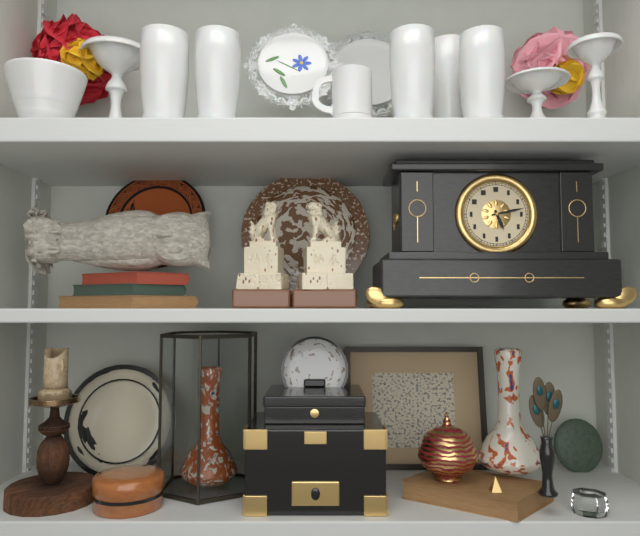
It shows 5h13
